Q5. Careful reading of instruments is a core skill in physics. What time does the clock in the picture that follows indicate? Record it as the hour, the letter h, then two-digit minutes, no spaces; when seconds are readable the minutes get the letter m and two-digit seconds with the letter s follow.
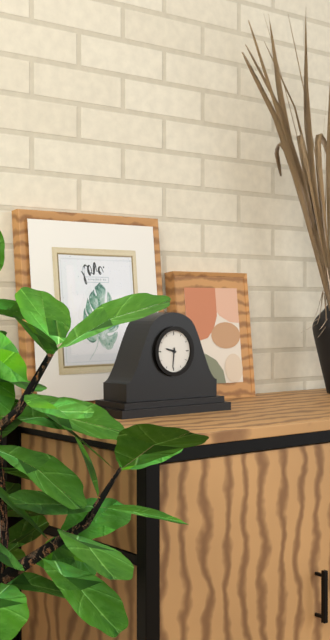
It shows 9h31
